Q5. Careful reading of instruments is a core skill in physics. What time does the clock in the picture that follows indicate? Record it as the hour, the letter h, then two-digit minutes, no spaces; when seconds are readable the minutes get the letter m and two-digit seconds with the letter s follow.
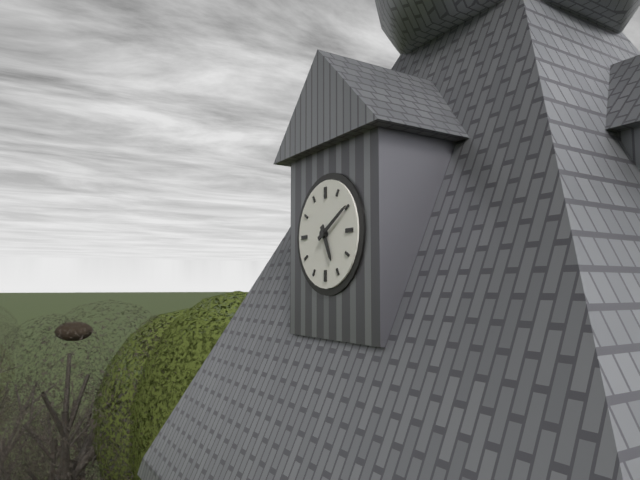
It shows 5h10
